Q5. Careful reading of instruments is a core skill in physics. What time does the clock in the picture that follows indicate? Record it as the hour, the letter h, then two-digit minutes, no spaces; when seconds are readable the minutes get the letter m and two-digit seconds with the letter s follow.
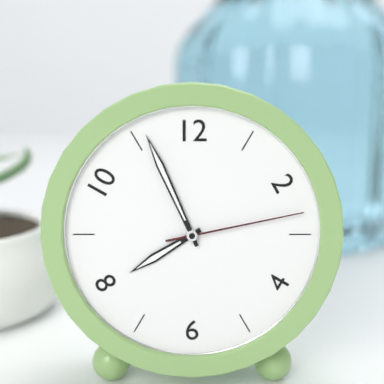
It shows 7h56m13s
